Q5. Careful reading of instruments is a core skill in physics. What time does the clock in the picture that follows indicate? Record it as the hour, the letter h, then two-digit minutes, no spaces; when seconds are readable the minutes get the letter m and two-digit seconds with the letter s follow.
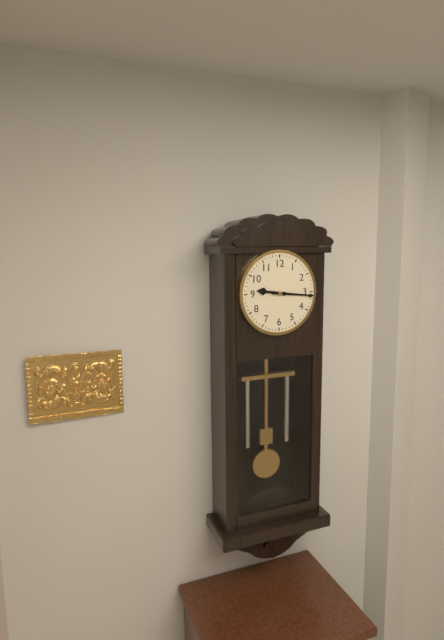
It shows 9h16
